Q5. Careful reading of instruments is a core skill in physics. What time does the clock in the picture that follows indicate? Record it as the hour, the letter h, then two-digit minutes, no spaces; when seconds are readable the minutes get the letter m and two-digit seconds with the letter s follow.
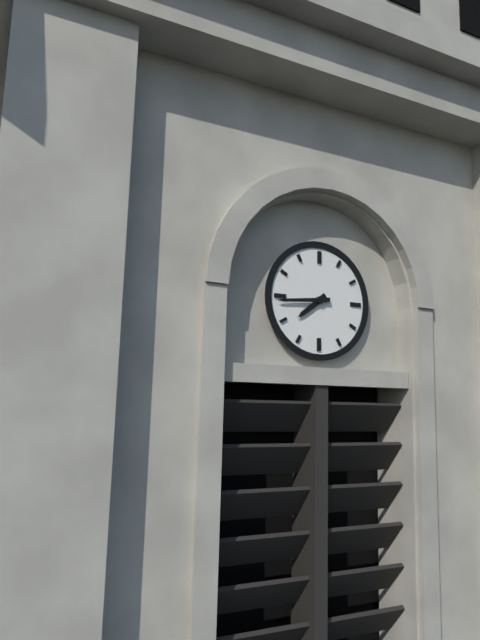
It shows 7h44
